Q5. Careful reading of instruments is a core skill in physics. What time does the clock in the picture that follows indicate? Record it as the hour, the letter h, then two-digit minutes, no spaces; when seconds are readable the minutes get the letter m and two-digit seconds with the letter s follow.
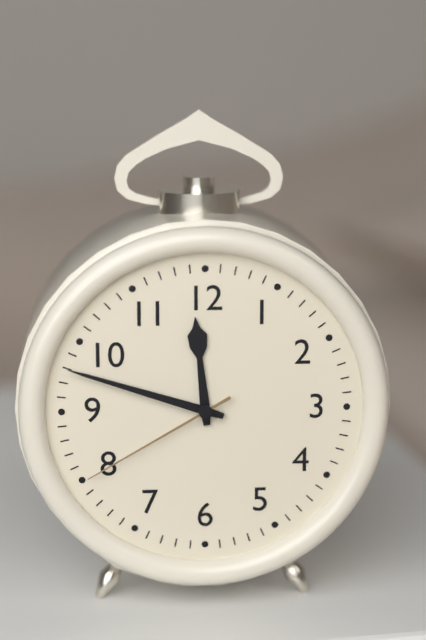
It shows 11h48m40s
